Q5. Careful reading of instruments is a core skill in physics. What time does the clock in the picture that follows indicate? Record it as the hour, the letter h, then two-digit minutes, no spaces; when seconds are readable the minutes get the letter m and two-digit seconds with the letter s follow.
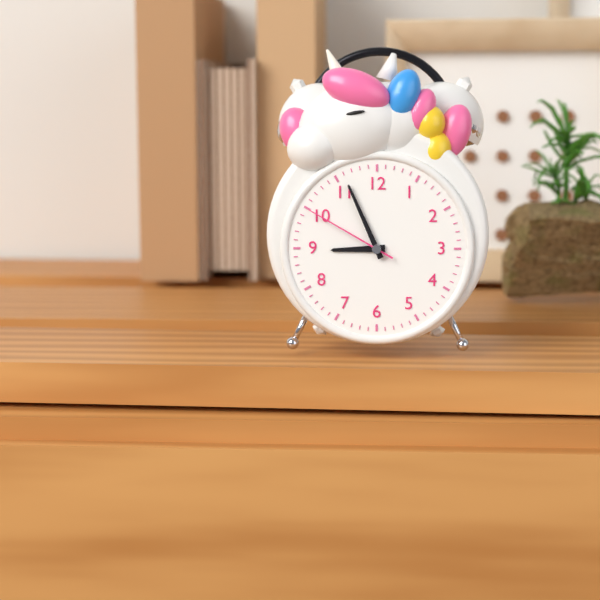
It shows 8h56m50s
